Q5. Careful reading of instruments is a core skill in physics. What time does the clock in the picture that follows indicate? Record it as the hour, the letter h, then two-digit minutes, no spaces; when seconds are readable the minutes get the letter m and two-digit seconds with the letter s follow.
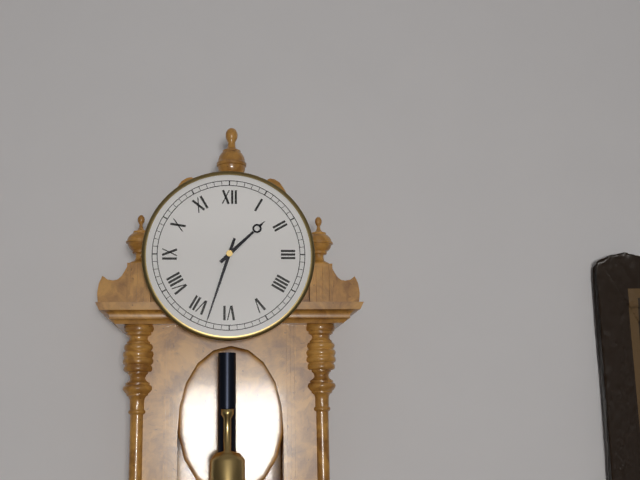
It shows 1h33
